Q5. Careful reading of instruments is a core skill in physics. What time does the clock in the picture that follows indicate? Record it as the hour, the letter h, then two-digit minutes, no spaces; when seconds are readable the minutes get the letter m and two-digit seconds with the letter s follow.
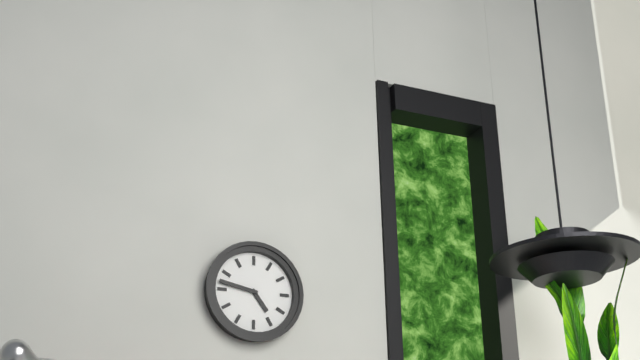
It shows 4h47
